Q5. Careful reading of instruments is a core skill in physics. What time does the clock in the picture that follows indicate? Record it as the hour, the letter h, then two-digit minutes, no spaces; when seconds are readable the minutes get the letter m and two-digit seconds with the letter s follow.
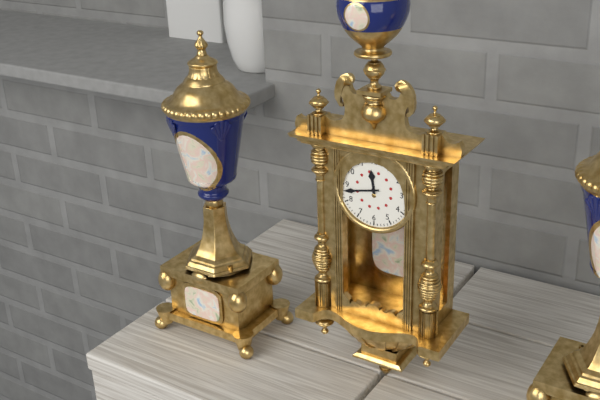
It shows 11h43
